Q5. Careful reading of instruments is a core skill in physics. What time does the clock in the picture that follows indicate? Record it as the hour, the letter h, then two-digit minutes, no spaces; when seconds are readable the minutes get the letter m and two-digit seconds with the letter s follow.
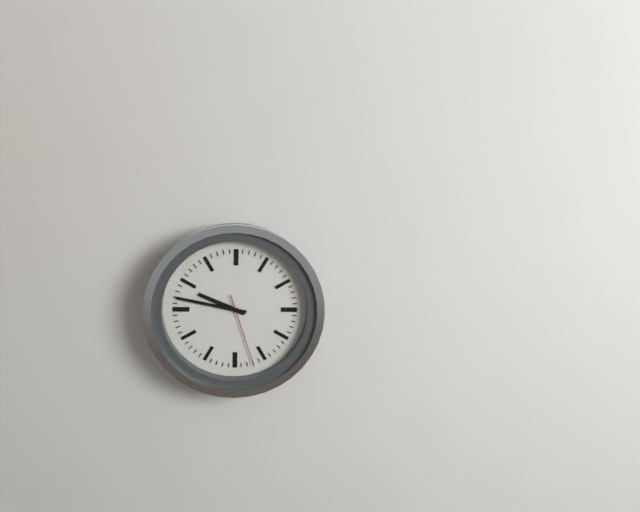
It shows 9h47m27s
